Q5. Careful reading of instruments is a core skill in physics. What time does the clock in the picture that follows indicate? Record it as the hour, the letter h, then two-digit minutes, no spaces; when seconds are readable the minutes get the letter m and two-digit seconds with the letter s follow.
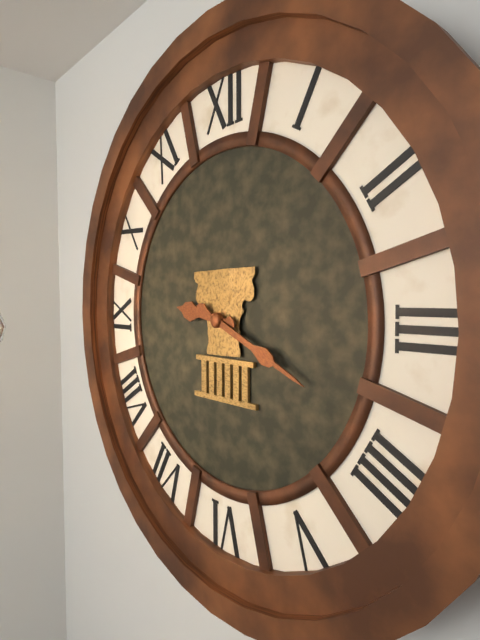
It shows 9h19
